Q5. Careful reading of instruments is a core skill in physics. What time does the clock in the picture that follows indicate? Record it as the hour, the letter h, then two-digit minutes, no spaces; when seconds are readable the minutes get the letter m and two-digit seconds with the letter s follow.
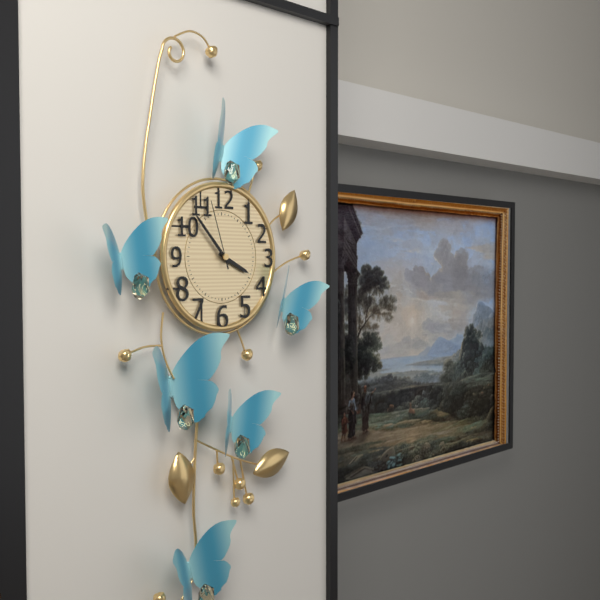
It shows 3h53m57s
